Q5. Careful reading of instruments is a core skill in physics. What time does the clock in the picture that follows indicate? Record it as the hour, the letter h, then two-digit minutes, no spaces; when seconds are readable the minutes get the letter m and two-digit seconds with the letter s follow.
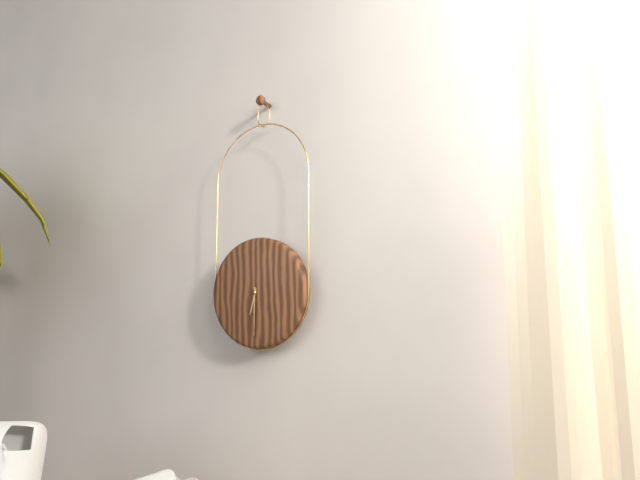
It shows 6h30
